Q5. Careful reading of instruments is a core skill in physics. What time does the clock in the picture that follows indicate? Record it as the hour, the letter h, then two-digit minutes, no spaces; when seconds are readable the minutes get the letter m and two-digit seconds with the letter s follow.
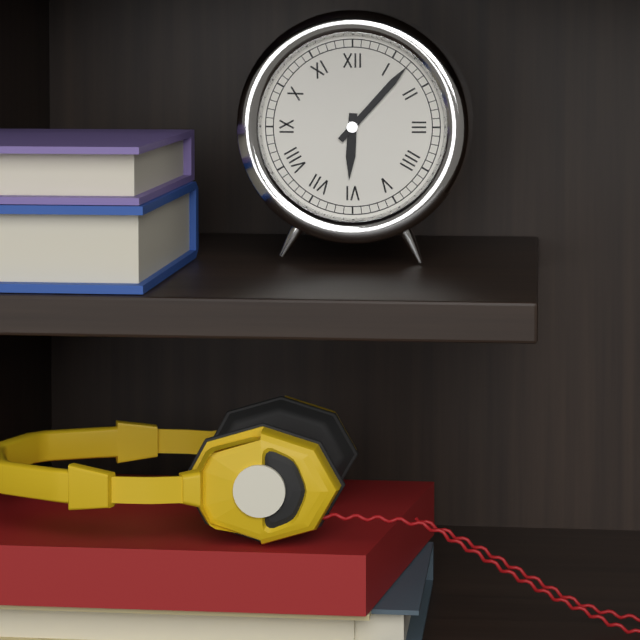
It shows 6h07
